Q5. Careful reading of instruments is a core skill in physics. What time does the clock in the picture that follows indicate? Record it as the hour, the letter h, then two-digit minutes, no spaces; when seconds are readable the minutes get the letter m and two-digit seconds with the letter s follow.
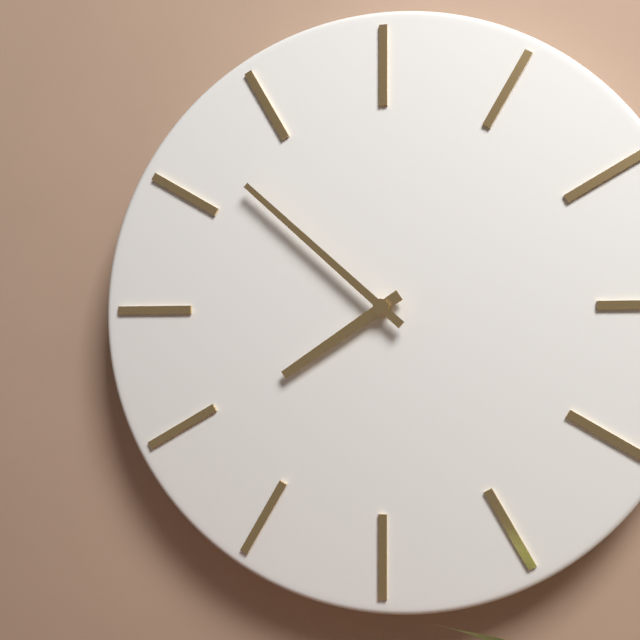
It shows 7h52
